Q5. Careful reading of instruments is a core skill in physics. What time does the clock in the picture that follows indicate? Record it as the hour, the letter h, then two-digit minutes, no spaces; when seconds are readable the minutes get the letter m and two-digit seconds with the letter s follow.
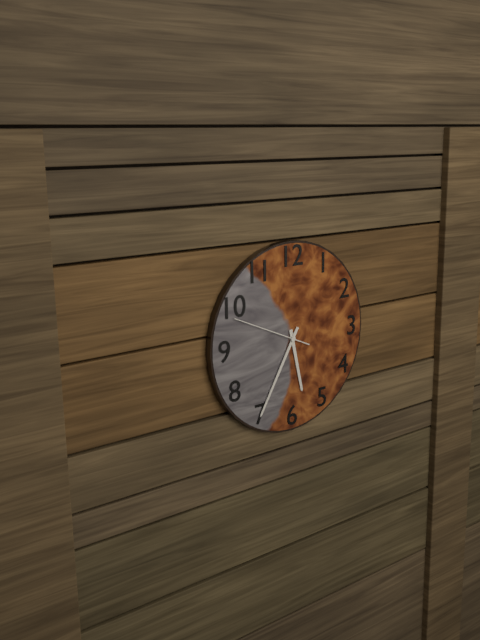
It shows 5h35m49s
